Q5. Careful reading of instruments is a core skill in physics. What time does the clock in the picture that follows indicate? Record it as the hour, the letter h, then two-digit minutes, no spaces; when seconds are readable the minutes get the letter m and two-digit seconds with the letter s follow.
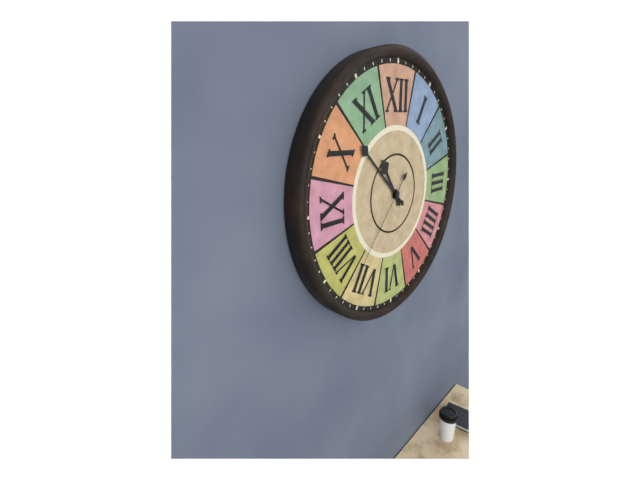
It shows 10h52m37s
